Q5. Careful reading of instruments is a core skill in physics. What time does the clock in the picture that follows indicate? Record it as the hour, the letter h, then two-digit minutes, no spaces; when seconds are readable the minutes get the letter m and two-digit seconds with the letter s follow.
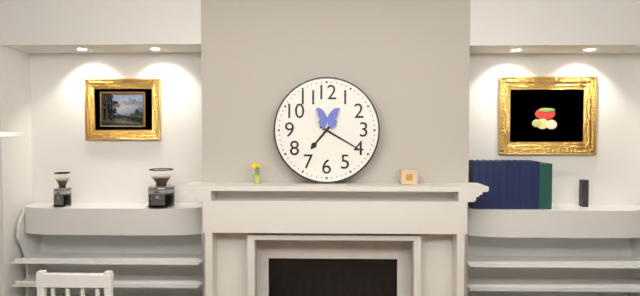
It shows 7h20
